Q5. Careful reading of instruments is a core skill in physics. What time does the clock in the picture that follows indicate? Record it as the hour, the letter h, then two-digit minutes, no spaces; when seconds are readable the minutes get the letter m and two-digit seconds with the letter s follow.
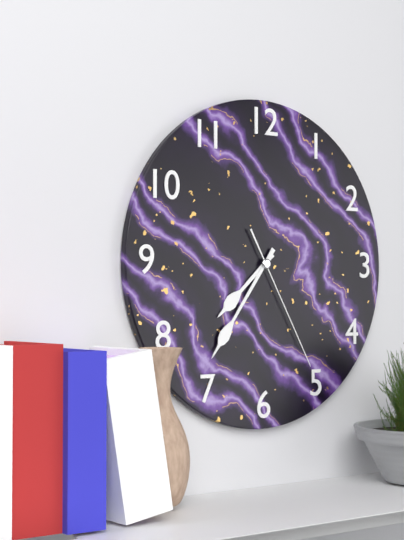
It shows 7h36m25s
